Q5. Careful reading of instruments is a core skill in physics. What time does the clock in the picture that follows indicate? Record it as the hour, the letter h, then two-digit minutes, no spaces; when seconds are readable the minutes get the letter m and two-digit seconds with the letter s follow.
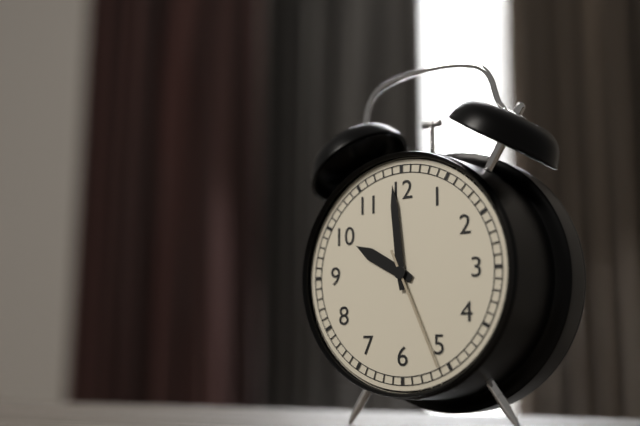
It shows 9h59m26s
